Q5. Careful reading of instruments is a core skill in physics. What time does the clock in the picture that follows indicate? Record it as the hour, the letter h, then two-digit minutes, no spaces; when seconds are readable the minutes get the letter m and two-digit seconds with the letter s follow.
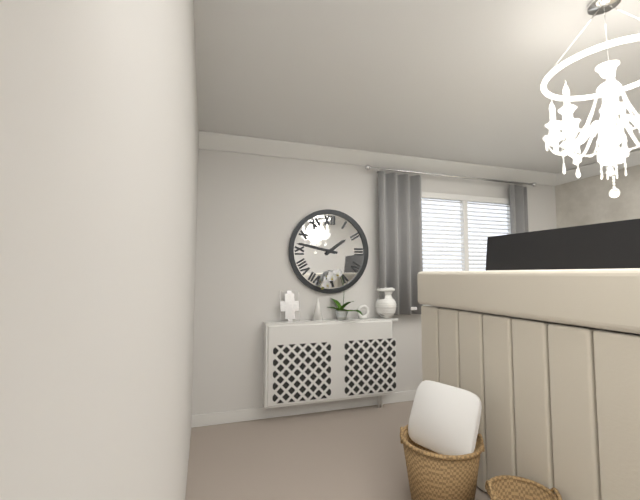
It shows 1h47
